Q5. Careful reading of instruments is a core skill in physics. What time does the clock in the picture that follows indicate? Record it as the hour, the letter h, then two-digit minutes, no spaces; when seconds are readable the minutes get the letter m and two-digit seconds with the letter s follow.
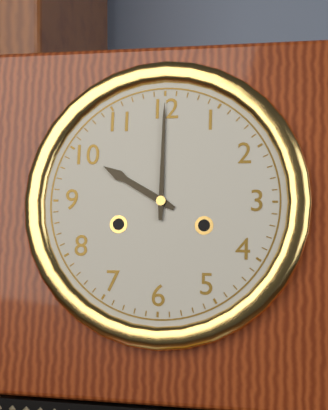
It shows 10h00
